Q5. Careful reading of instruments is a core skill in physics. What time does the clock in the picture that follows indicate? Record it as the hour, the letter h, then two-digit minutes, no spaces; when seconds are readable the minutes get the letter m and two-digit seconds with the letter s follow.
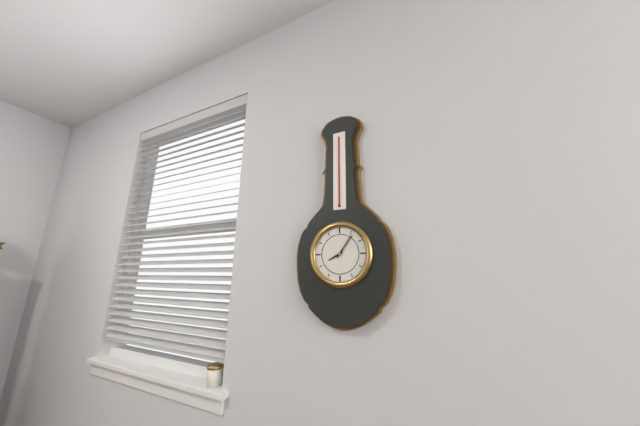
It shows 8h06
